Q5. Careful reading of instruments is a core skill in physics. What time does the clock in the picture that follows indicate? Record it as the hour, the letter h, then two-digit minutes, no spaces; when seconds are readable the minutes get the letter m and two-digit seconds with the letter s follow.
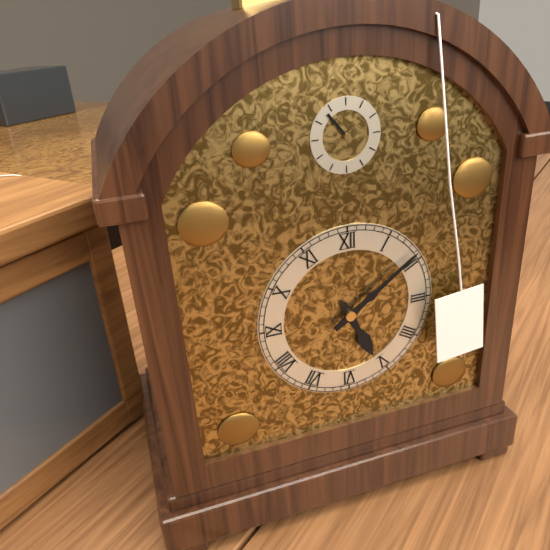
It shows 5h09
